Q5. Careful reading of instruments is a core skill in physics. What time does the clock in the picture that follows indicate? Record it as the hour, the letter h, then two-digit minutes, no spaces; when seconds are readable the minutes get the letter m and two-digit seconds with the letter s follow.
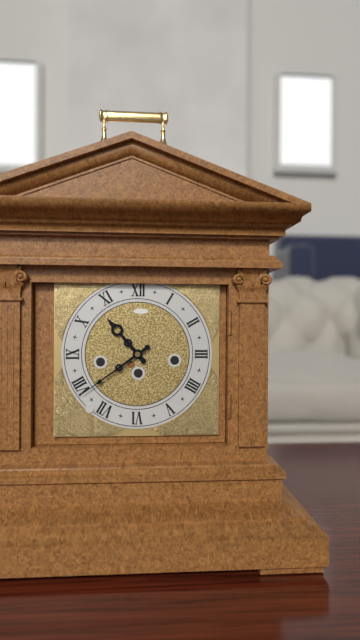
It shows 10h39
